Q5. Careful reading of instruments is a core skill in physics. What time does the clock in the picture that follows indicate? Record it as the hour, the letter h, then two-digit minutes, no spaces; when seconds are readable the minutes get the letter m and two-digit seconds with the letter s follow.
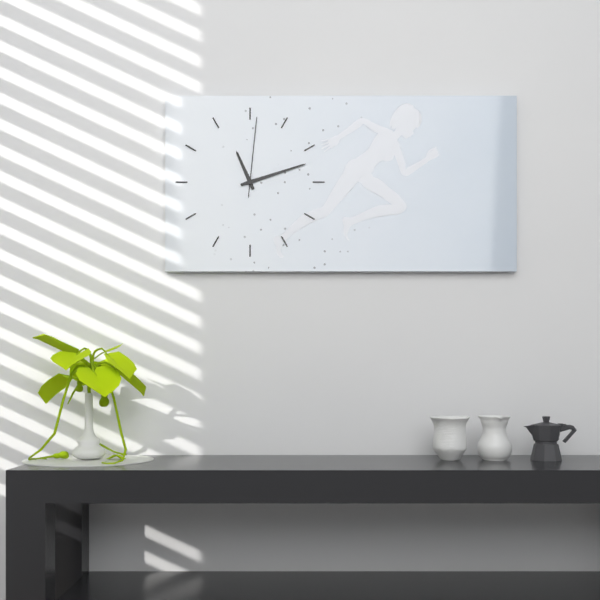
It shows 11h12m01s
